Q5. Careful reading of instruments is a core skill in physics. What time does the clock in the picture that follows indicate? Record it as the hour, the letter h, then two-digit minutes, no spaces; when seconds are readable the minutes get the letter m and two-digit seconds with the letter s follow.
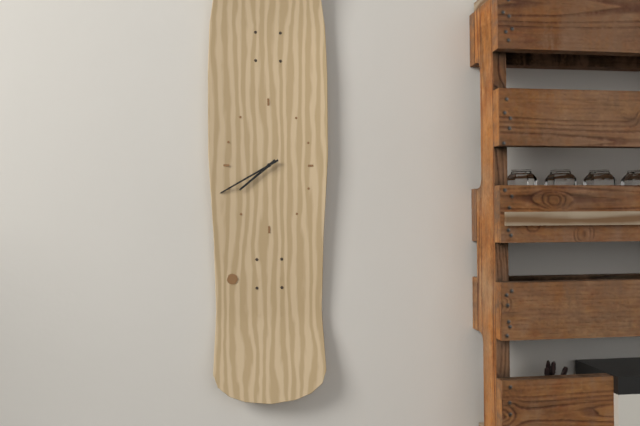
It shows 7h40
